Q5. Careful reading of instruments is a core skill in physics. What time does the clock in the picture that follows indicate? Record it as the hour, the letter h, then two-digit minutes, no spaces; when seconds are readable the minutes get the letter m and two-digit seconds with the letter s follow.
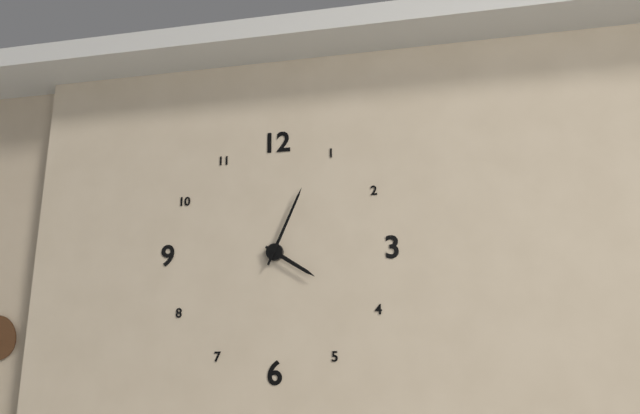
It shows 4h04
